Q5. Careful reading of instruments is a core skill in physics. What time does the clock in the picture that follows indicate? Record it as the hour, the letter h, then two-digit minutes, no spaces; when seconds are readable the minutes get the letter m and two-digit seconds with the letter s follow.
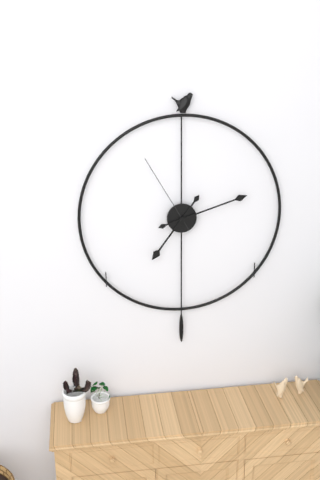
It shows 7h12m55s
